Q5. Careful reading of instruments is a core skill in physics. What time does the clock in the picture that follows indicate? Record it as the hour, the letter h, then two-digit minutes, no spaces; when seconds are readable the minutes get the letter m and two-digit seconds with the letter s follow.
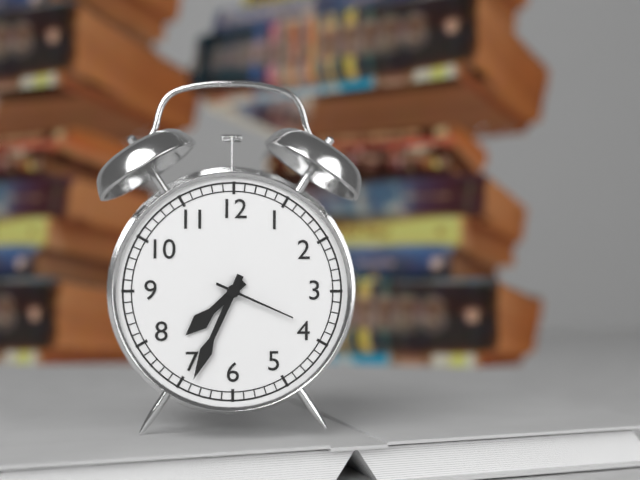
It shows 7h34m19s
